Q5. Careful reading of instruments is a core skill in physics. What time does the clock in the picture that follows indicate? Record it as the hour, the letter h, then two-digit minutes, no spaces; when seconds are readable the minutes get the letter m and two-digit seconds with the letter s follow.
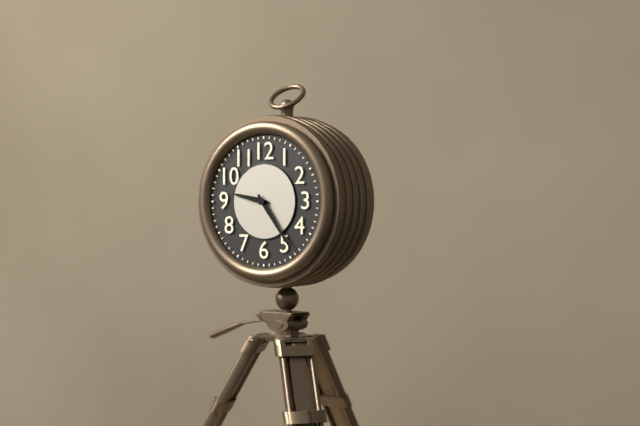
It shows 9h24
